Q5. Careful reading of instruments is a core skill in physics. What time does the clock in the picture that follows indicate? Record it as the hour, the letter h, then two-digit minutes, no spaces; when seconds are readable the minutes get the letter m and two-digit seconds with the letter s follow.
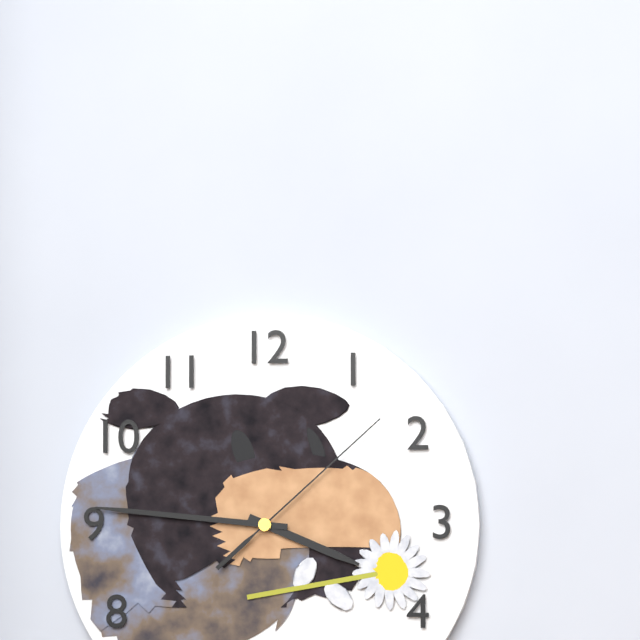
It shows 3h46m08s
